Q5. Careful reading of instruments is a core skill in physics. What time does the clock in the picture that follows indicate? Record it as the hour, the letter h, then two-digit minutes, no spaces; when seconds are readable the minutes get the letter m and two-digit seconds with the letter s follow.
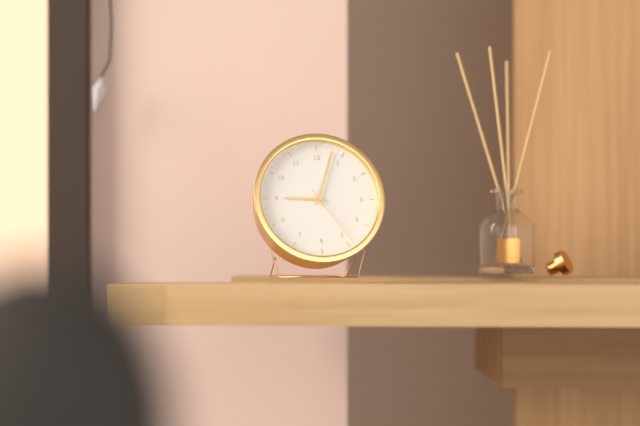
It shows 9h03m24s
